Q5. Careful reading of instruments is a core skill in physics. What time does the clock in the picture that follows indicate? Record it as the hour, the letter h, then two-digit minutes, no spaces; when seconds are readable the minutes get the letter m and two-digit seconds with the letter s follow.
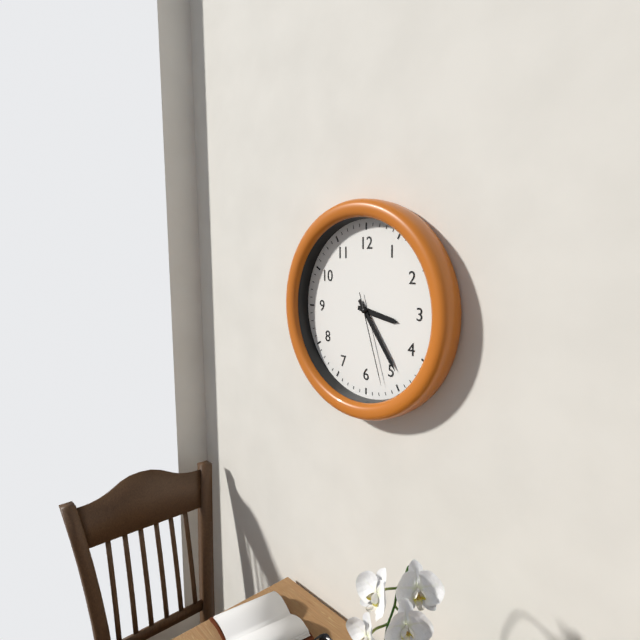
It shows 3h24m27s
